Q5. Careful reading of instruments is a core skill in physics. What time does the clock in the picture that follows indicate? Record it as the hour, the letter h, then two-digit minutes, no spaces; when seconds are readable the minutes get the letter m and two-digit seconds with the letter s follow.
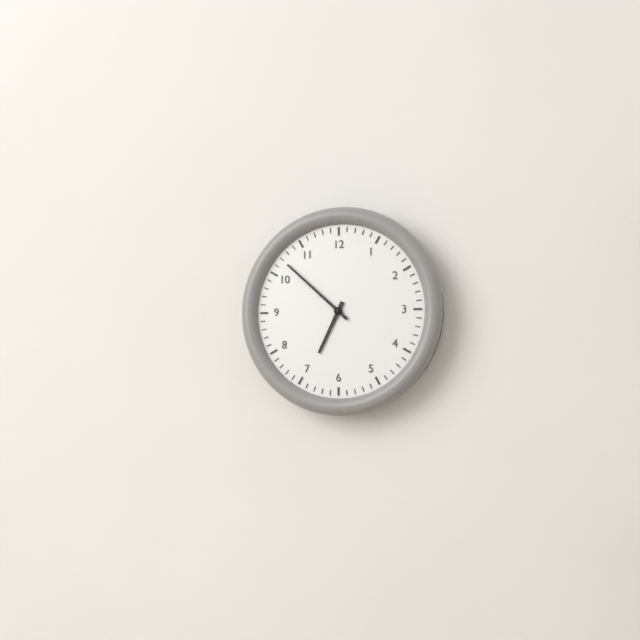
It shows 6h52
